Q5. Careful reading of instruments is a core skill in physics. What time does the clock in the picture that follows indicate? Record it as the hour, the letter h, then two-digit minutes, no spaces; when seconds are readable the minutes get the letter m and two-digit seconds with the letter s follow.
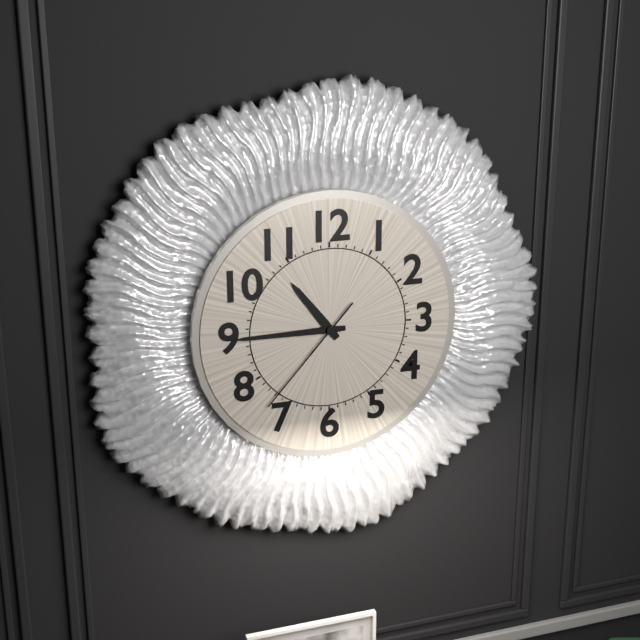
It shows 10h45m37s
